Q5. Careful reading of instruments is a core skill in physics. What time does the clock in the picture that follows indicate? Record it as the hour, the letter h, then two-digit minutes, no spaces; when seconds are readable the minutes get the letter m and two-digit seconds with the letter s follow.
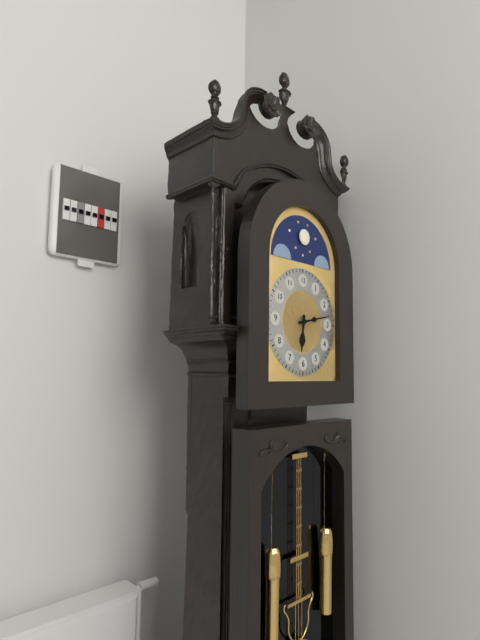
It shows 6h13
